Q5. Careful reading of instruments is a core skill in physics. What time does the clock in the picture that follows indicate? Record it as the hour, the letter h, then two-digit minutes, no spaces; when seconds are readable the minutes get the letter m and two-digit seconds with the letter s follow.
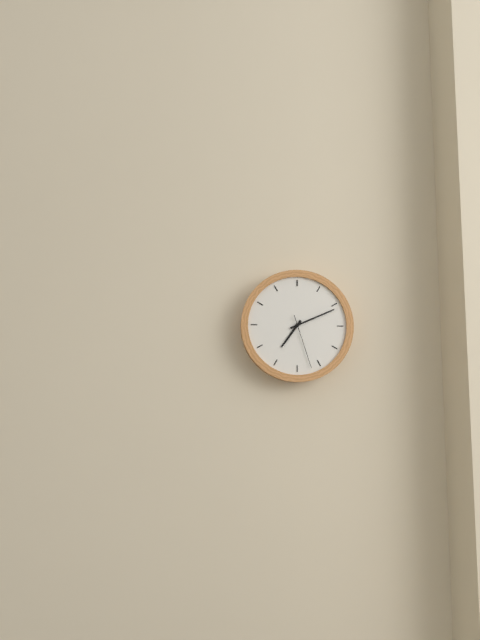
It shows 7h11m27s
